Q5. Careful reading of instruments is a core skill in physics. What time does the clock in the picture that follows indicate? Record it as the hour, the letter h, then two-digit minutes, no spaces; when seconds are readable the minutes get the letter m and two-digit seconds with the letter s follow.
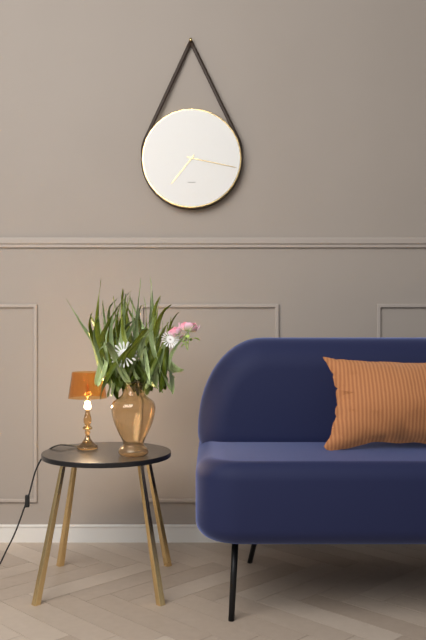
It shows 7h17
